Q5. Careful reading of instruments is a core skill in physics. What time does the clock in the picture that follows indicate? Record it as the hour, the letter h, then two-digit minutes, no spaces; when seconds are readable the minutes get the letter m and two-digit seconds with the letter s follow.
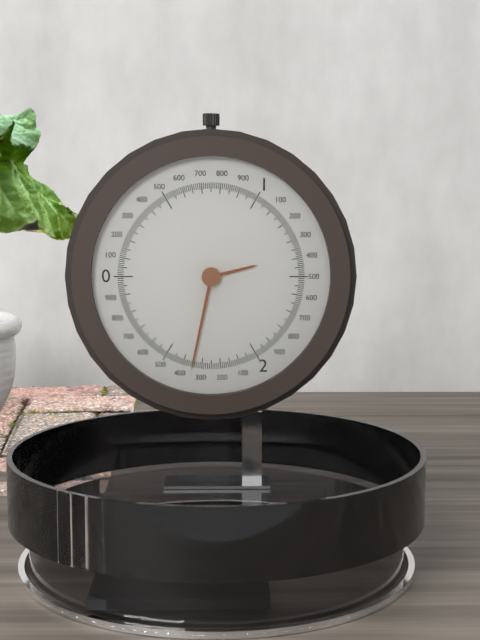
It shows 2h32
